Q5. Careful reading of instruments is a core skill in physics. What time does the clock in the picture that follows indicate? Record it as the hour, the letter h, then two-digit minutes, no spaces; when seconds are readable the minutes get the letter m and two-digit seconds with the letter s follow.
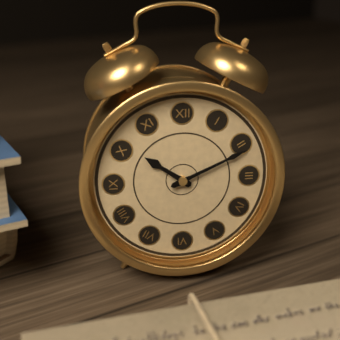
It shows 10h11
